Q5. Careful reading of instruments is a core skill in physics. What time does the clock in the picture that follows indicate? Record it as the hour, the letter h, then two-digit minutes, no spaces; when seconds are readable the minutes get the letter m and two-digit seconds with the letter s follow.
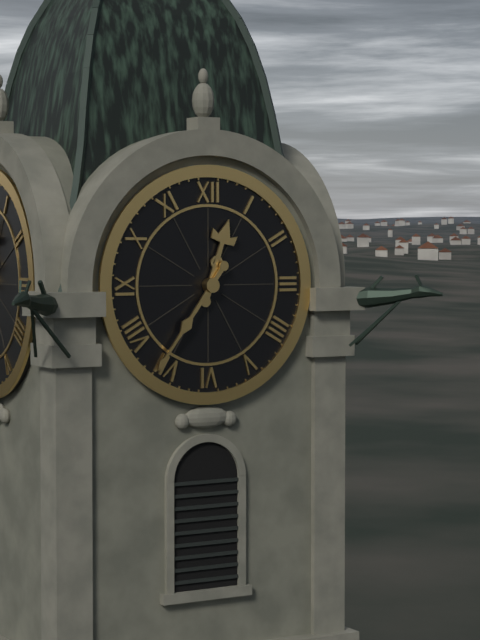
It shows 12h36
